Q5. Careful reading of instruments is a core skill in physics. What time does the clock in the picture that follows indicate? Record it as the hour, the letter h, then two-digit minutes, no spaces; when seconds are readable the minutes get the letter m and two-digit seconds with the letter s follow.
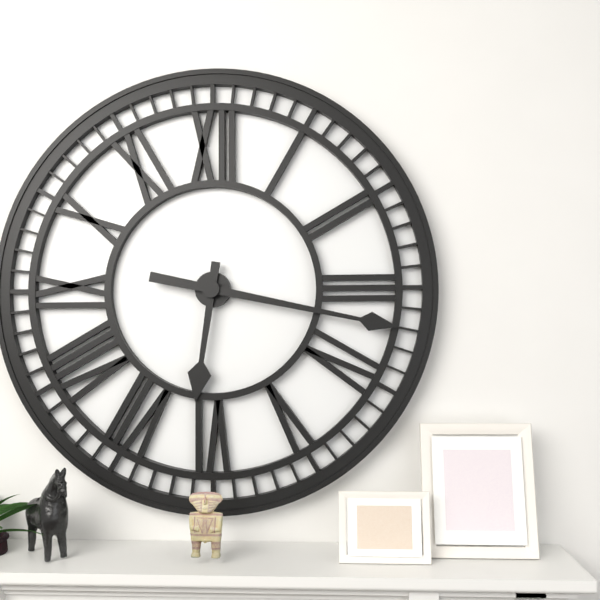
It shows 6h17
